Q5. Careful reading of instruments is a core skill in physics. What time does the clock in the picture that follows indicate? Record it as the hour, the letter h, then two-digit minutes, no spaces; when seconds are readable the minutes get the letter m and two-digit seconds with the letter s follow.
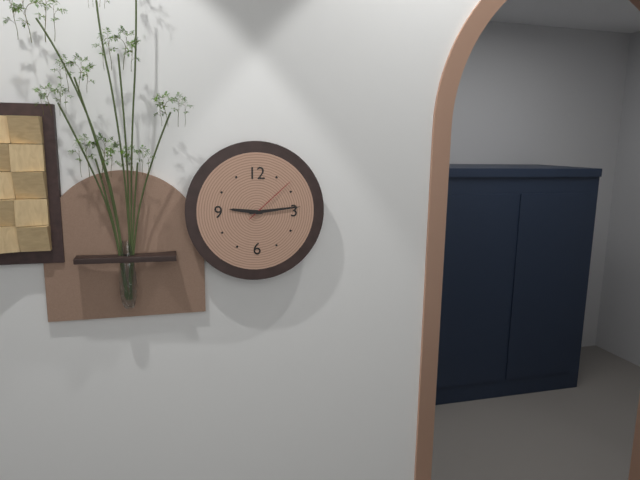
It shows 9h14m08s
